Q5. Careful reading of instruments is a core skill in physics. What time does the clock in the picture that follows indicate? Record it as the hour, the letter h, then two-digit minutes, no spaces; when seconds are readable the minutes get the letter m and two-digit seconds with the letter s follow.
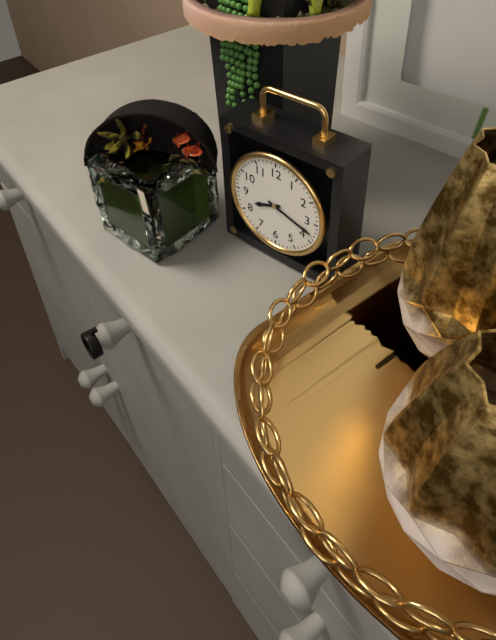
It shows 8h18
